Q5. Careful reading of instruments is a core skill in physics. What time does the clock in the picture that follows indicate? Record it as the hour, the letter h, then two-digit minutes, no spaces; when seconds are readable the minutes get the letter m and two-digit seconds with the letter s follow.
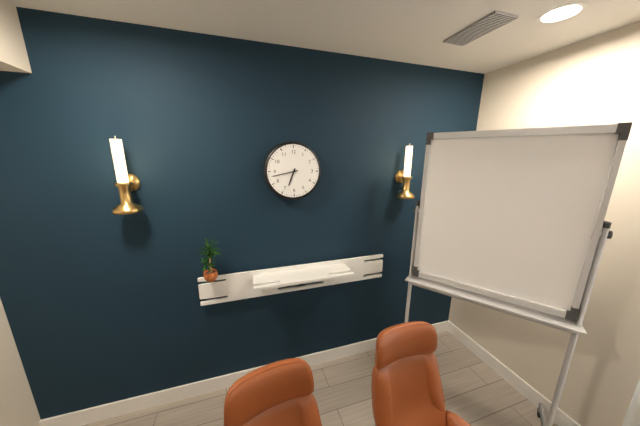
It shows 6h43
